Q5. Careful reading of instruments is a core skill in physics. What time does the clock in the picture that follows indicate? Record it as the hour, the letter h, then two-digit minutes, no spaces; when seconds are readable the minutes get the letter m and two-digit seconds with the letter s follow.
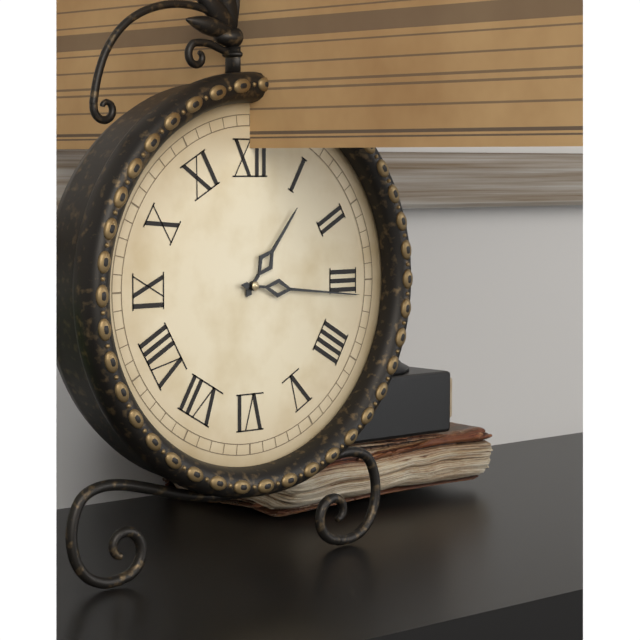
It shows 1h16
